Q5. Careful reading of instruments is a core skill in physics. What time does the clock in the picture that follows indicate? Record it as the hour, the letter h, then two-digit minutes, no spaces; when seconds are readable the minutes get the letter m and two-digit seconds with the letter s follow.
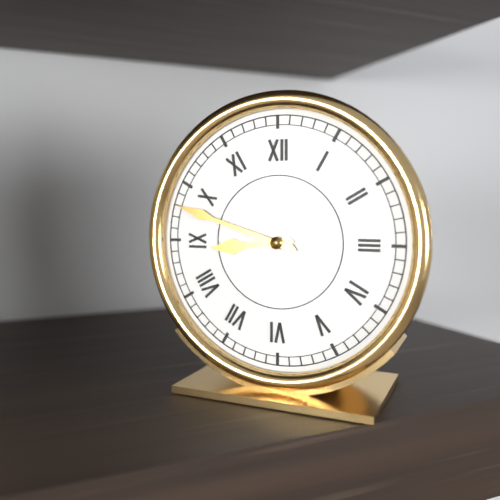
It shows 8h48
